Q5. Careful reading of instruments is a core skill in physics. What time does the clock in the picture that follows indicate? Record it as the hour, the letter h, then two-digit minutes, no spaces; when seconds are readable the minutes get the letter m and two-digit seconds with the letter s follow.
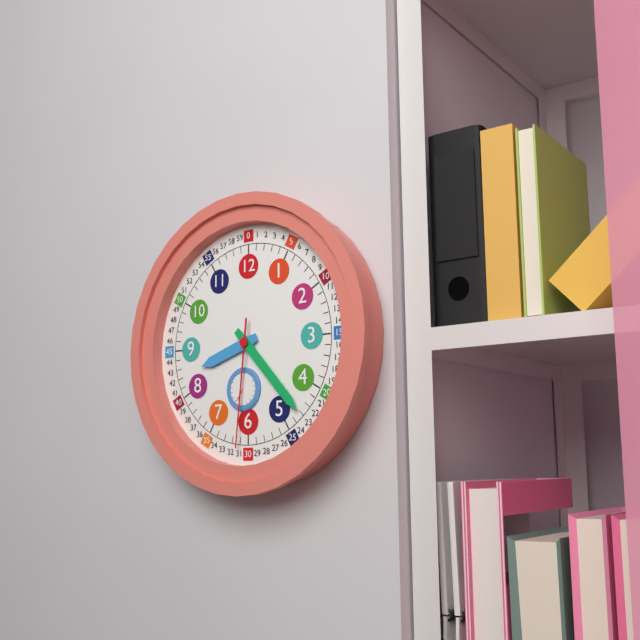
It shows 8h23m31s
